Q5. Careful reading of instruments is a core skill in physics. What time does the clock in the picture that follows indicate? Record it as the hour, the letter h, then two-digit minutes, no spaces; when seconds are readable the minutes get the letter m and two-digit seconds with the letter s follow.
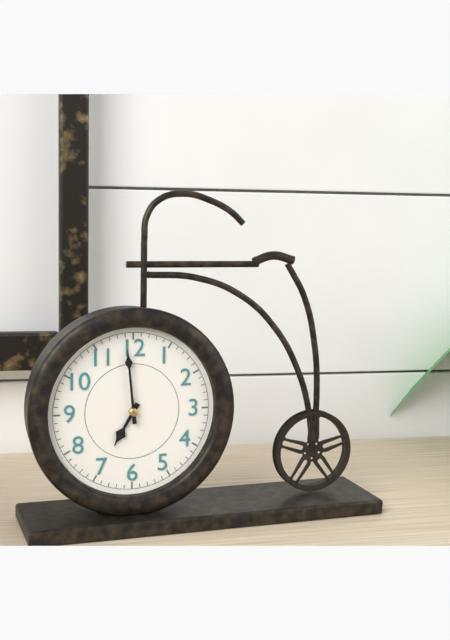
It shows 6h59
